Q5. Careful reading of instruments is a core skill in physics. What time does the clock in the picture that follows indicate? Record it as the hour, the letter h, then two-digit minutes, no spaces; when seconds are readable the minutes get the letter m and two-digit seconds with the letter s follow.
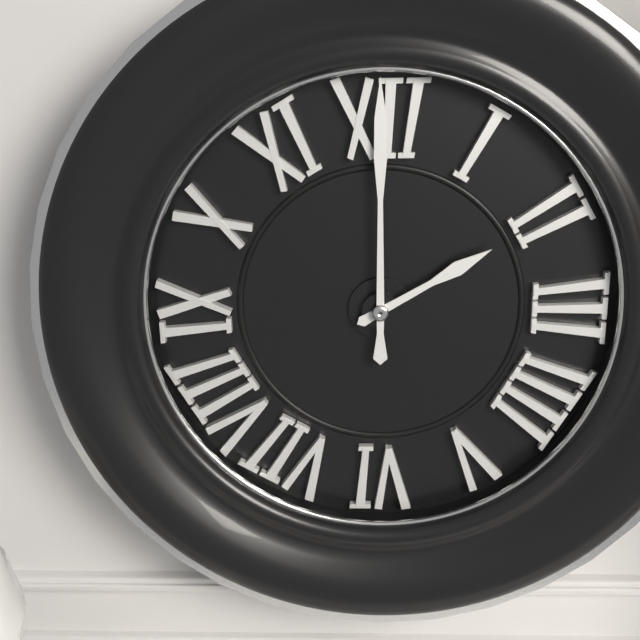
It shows 2h00
